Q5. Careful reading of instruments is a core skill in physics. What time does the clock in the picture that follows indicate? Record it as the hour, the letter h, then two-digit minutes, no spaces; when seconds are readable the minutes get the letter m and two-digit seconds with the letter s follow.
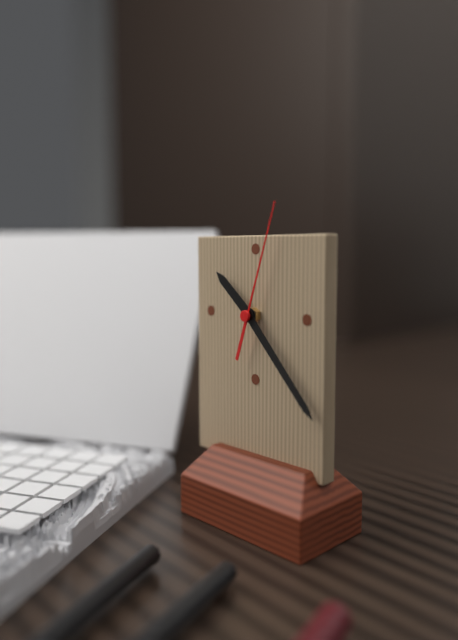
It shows 10h23m03s
